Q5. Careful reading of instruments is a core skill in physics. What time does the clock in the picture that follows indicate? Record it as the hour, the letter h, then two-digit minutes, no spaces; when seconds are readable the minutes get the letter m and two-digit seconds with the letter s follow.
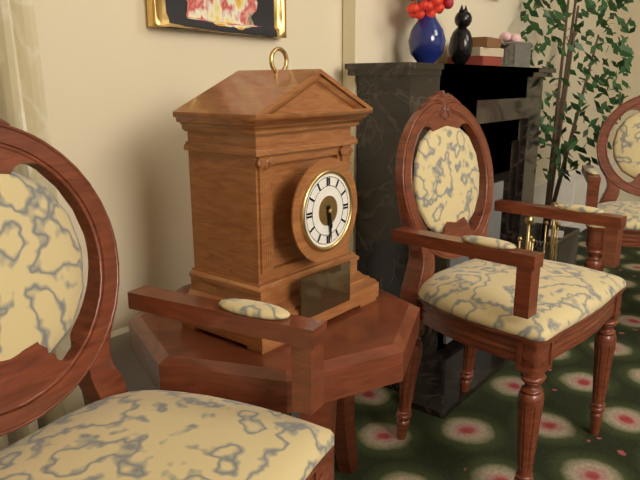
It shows 5h29
